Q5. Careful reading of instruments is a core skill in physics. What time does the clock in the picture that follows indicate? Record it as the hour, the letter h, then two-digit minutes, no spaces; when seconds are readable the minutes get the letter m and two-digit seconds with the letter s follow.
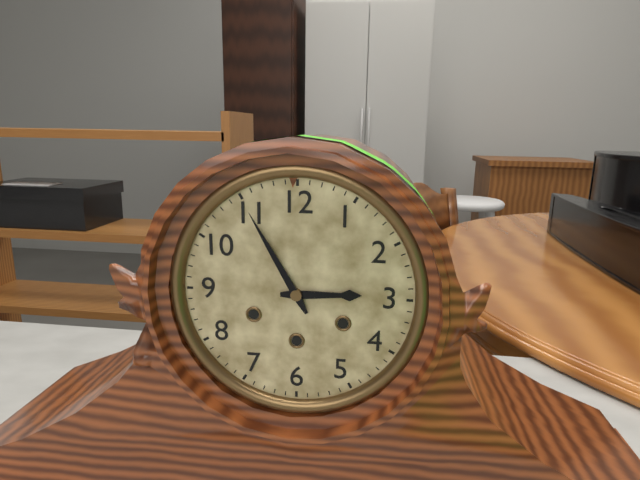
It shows 2h55
